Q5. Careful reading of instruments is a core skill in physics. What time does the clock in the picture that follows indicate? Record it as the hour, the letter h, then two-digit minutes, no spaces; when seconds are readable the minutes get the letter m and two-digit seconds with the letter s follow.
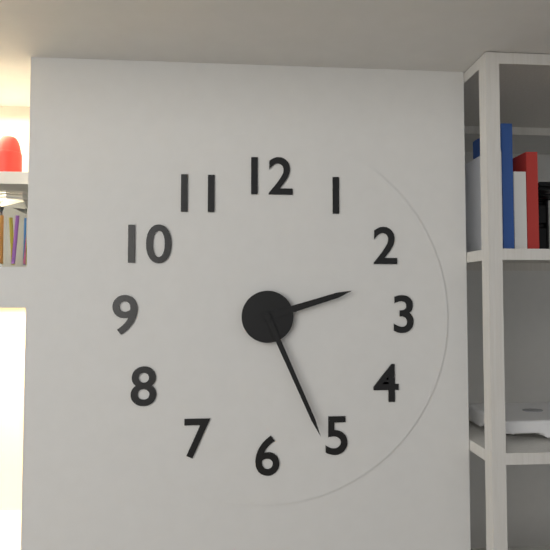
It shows 2h26
